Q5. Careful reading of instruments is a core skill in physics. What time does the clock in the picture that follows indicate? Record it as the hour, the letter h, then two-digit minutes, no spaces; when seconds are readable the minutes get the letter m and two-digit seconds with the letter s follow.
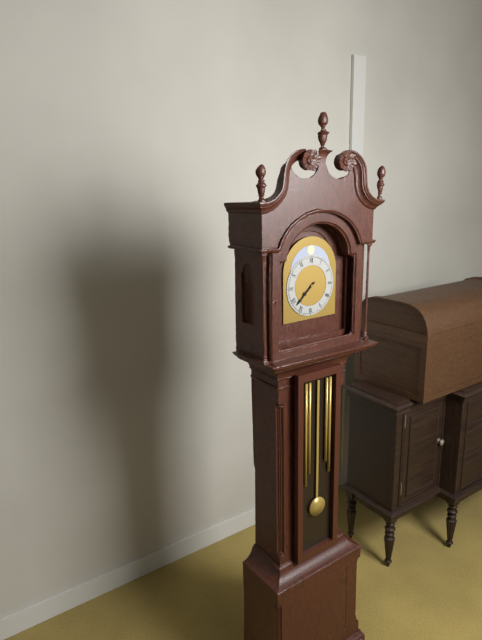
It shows 7h38
